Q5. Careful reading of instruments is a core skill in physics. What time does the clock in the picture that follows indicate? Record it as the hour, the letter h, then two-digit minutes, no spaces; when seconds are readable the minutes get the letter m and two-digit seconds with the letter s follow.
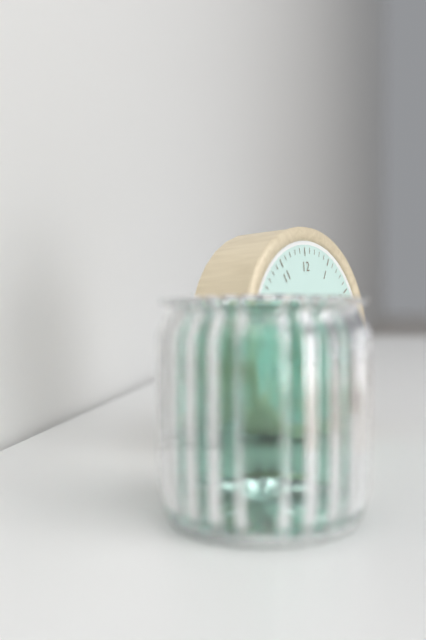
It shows 1h32m17s
